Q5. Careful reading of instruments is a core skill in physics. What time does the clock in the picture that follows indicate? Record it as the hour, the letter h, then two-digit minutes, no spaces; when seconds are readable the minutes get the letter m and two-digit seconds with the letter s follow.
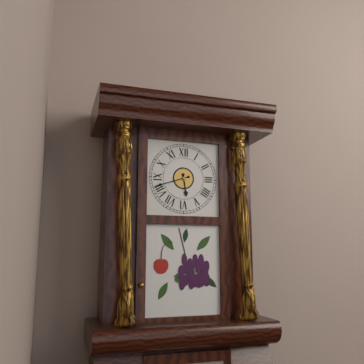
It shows 5h42
